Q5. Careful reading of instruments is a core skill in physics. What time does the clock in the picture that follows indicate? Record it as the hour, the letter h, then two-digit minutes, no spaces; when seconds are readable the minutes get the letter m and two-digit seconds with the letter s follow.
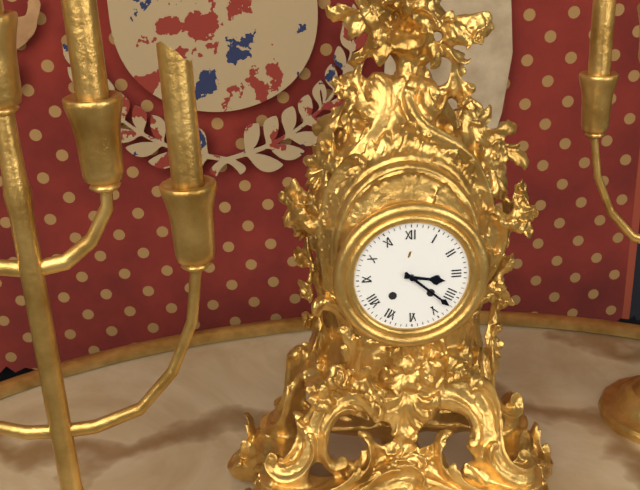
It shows 3h22
